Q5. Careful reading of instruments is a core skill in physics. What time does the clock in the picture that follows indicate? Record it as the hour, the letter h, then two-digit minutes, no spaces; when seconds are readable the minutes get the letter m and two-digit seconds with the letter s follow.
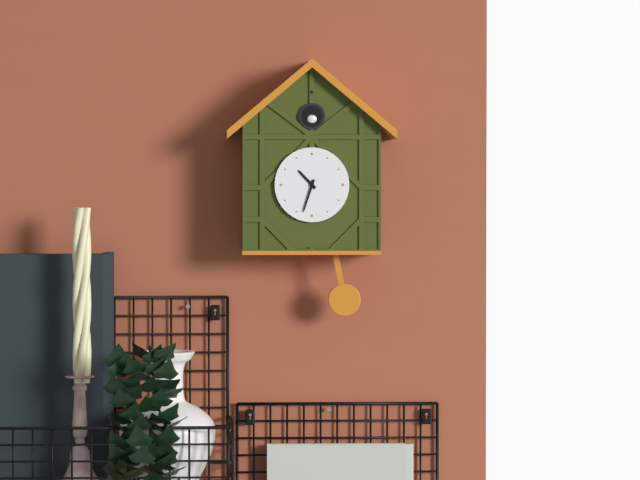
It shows 10h33
